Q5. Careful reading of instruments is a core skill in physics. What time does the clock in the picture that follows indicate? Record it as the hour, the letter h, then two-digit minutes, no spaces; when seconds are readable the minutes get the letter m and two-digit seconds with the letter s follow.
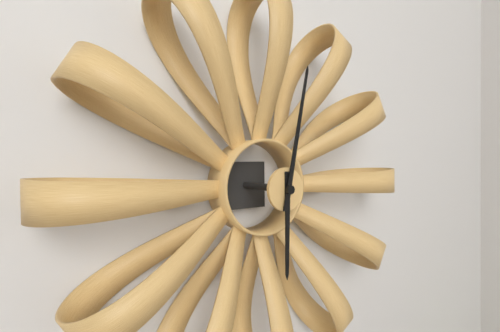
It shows 6h02
